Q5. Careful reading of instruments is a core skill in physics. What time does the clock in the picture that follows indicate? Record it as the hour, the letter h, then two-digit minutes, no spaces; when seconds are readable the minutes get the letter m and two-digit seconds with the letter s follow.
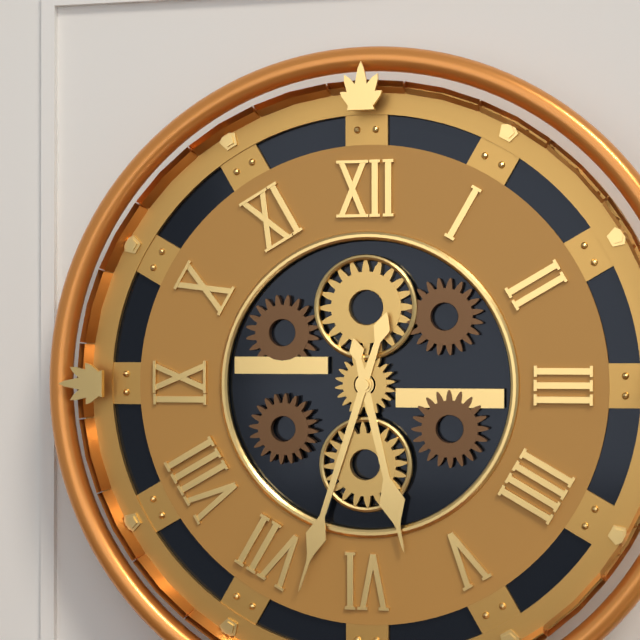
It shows 5h33
